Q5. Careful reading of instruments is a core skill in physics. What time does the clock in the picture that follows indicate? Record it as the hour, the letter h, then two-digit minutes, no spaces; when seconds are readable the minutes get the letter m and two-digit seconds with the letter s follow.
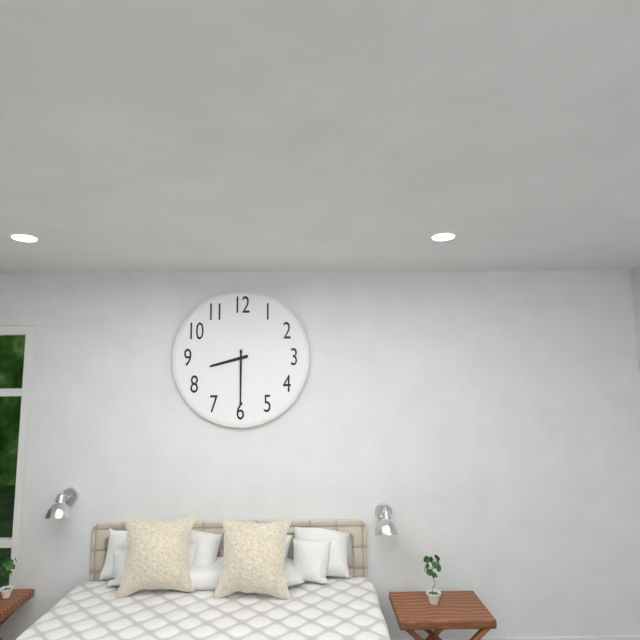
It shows 8h30
